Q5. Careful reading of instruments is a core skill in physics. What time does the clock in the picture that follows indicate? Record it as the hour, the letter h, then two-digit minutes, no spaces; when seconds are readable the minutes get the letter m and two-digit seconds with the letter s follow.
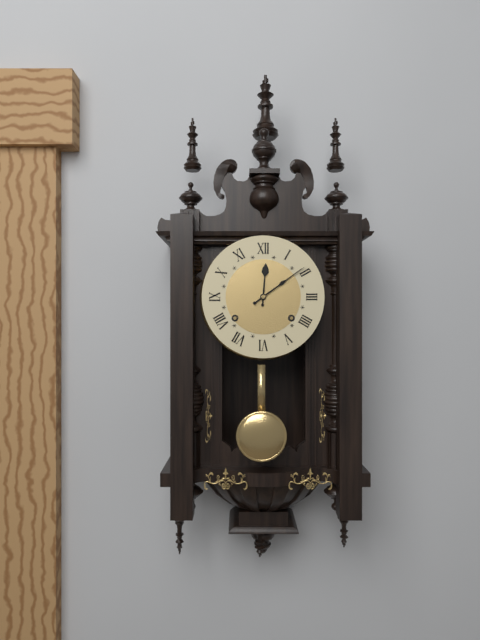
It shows 12h09
